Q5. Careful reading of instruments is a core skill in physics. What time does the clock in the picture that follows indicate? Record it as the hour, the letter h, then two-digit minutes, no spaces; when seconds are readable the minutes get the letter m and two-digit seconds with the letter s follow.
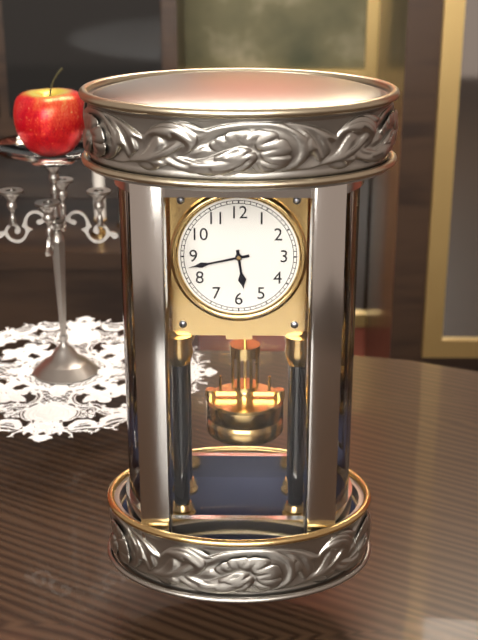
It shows 5h43
